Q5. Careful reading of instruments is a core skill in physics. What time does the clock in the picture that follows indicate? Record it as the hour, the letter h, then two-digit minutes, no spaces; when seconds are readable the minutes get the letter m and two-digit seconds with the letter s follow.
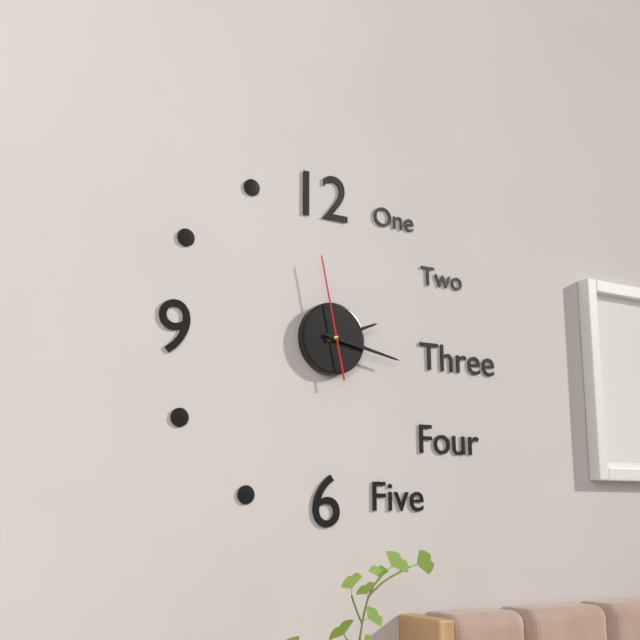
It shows 2h17m58s
